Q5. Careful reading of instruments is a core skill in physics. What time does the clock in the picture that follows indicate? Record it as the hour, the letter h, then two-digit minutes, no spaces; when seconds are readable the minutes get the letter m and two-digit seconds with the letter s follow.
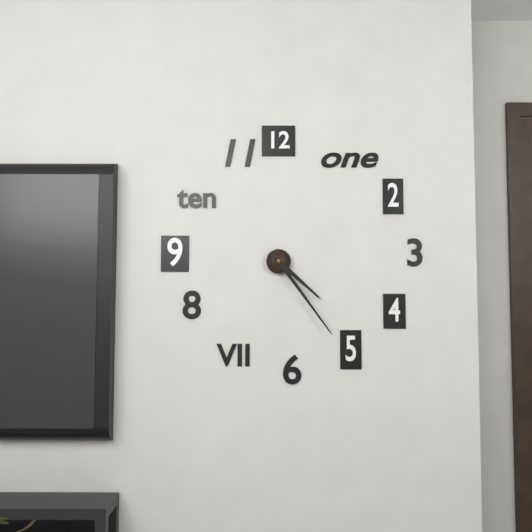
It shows 4h24
